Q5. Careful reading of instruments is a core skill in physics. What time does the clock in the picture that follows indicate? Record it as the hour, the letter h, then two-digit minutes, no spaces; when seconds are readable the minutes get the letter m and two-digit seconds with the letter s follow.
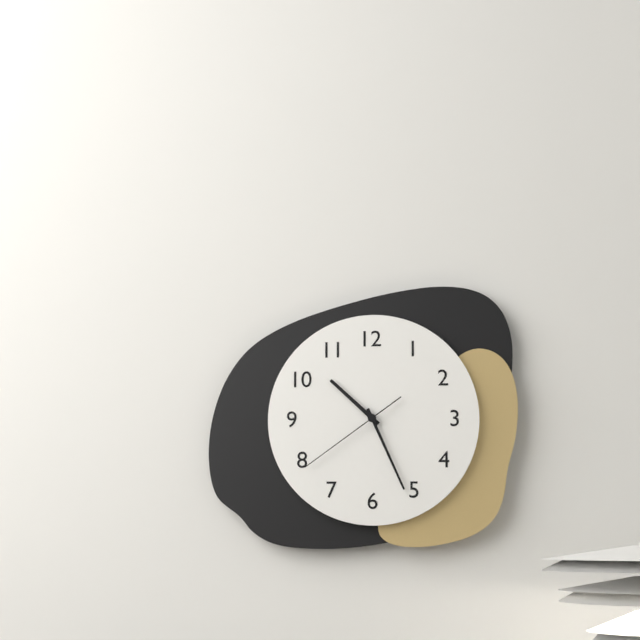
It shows 10h26m39s
